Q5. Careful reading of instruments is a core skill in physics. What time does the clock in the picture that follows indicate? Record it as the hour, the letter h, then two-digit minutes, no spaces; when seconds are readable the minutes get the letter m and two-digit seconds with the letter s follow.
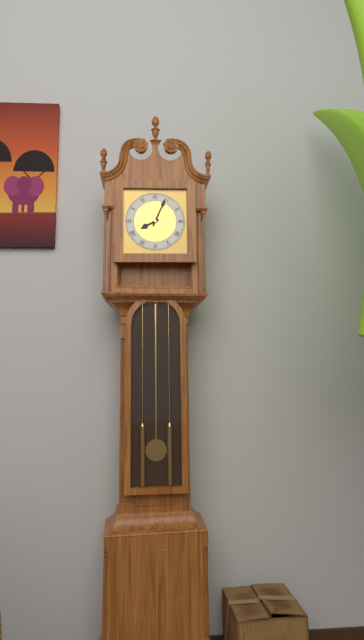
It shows 8h04
